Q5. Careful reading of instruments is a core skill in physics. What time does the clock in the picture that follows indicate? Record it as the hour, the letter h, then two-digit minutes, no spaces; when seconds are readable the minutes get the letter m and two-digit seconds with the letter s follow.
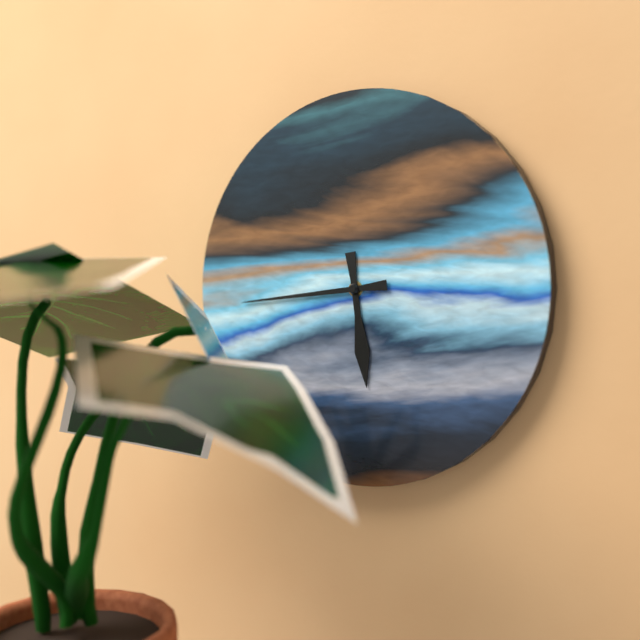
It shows 5h44
